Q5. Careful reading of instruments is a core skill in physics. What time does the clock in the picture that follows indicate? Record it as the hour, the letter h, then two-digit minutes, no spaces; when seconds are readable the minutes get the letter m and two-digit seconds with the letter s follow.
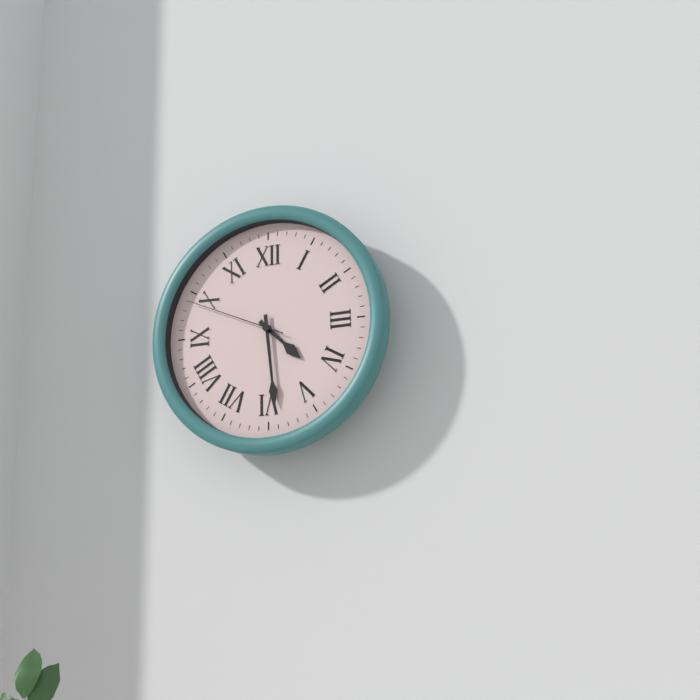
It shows 4h29m49s
